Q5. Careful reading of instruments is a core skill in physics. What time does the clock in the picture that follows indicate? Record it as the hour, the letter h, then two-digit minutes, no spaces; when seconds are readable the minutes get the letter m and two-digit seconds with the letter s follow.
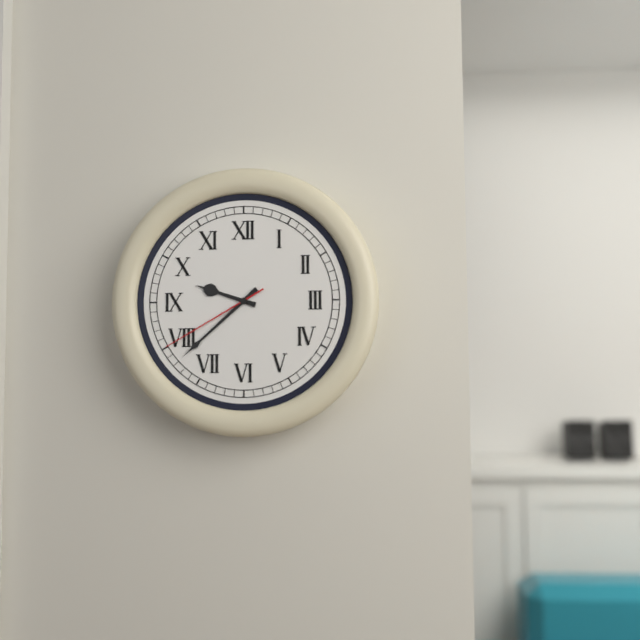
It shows 9h38m40s
